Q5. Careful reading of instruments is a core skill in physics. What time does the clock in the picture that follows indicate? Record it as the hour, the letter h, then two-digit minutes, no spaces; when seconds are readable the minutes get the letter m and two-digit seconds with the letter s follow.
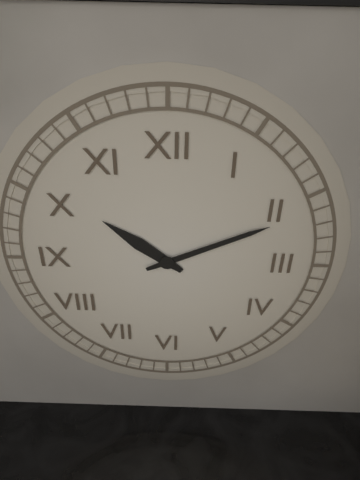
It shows 10h11
